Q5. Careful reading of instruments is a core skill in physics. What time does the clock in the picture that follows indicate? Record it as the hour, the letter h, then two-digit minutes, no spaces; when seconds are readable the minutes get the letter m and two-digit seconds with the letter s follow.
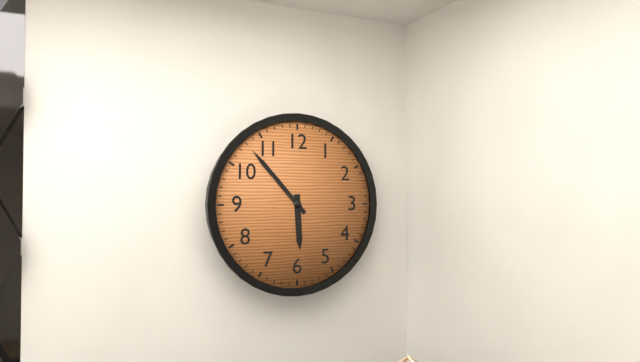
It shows 5h53
